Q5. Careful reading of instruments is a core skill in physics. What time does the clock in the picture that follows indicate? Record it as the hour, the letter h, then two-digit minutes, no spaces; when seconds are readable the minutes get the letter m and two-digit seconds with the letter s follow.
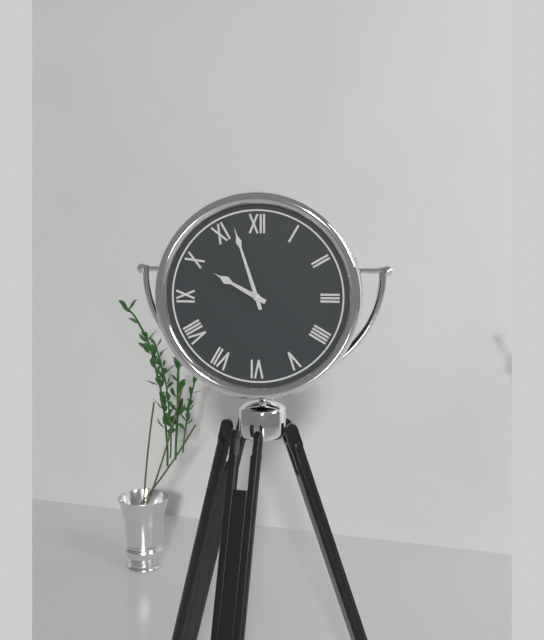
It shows 9h57
